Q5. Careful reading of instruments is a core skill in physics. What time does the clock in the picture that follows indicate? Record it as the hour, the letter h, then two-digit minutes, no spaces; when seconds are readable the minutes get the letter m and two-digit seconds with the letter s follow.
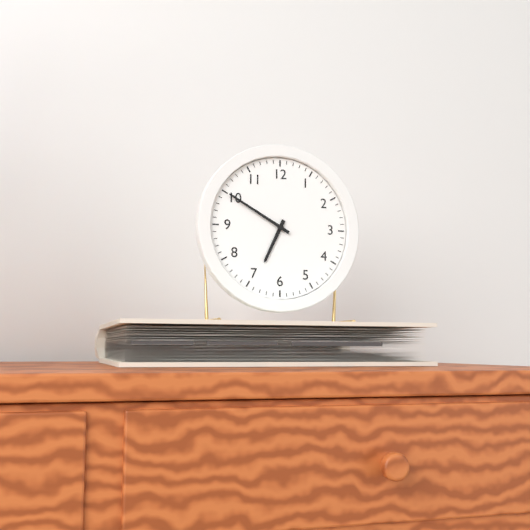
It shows 6h50
